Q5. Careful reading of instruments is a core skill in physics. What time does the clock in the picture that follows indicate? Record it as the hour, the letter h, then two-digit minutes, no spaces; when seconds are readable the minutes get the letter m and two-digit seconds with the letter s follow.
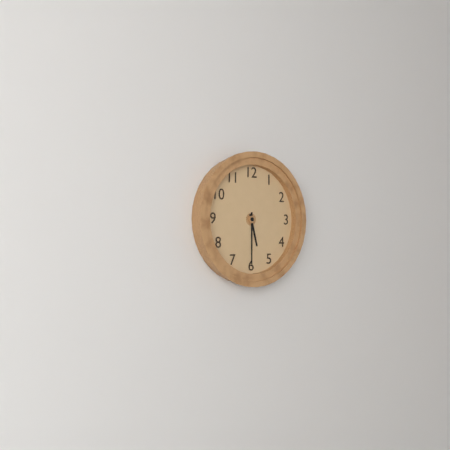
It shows 5h30
